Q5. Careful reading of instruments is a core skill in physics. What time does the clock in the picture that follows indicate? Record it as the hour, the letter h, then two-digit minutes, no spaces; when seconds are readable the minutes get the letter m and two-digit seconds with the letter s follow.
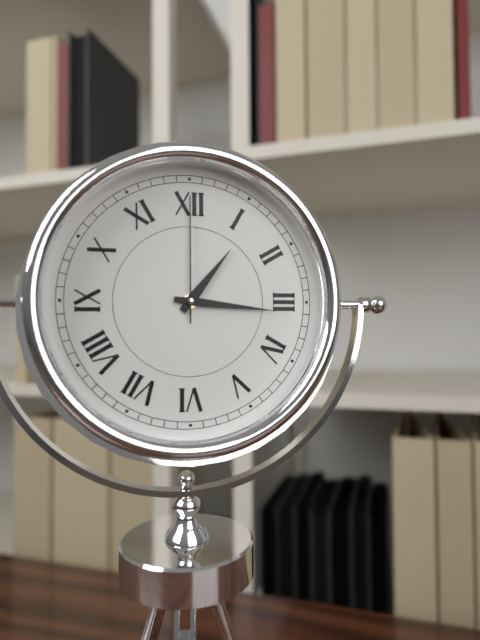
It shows 1h16m00s
